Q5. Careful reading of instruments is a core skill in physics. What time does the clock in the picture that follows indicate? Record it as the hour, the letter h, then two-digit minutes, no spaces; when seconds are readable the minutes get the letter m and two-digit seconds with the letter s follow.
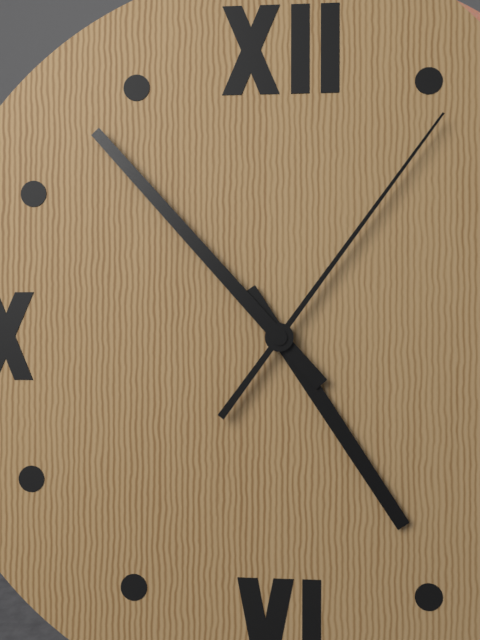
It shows 4h53m06s
